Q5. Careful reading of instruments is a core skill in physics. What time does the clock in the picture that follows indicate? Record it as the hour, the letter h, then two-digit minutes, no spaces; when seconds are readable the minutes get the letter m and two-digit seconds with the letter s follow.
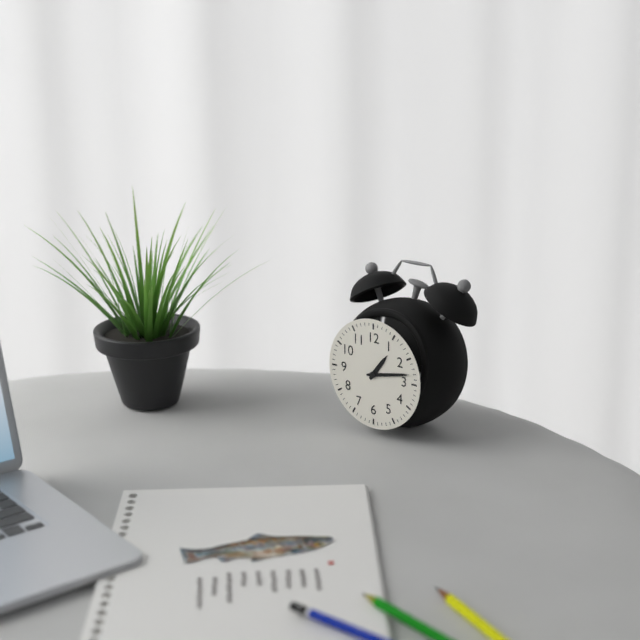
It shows 1h13
